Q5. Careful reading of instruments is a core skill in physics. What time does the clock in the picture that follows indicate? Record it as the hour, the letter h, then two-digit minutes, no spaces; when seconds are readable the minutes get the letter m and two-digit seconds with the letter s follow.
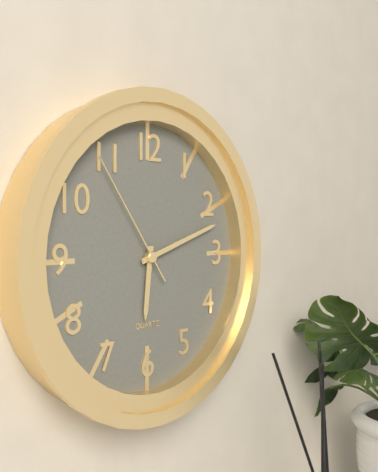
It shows 6h12m54s
